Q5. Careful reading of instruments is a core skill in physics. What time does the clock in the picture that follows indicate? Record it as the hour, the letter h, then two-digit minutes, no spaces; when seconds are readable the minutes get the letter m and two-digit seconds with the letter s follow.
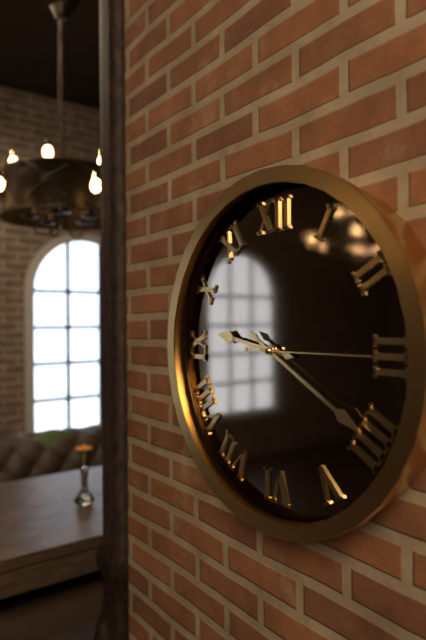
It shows 9h20m15s
